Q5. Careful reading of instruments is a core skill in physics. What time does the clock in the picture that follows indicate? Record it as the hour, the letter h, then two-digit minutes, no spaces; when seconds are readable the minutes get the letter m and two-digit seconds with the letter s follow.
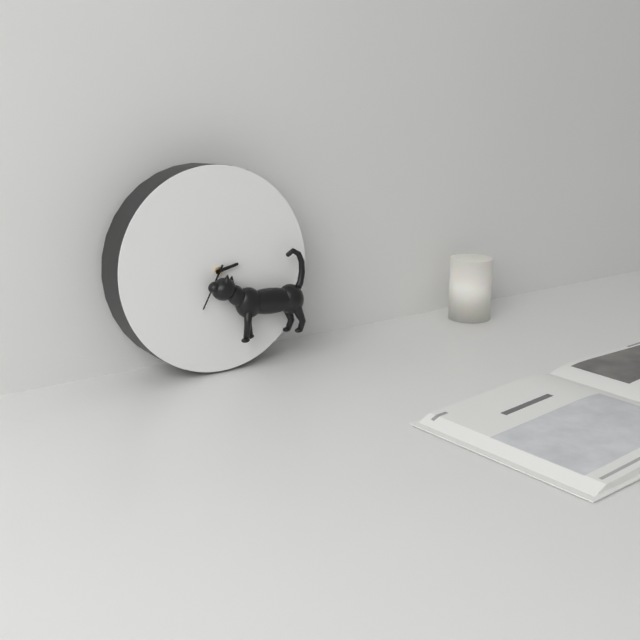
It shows 2h35
